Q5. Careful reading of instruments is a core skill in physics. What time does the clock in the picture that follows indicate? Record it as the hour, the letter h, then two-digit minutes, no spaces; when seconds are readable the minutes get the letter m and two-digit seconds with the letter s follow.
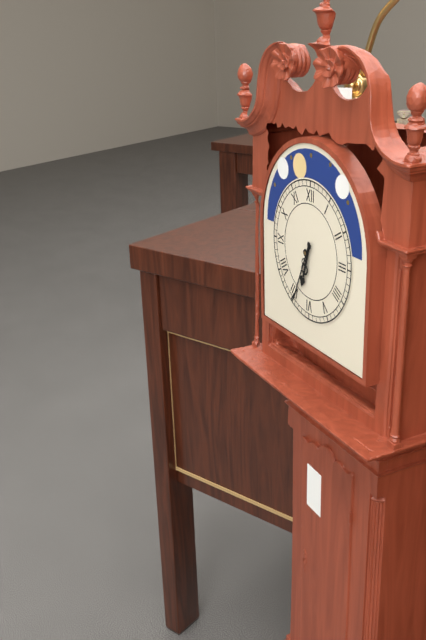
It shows 6h34
